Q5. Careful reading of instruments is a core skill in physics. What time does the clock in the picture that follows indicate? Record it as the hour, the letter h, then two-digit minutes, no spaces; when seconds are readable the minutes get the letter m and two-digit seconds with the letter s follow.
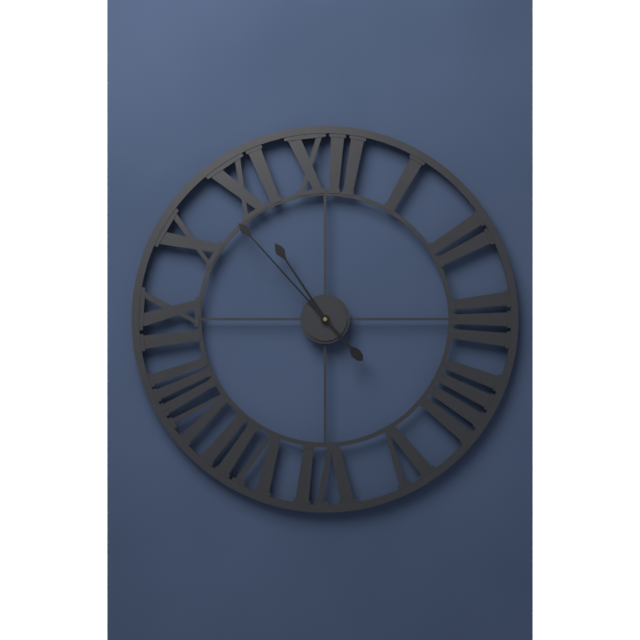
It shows 10h53
